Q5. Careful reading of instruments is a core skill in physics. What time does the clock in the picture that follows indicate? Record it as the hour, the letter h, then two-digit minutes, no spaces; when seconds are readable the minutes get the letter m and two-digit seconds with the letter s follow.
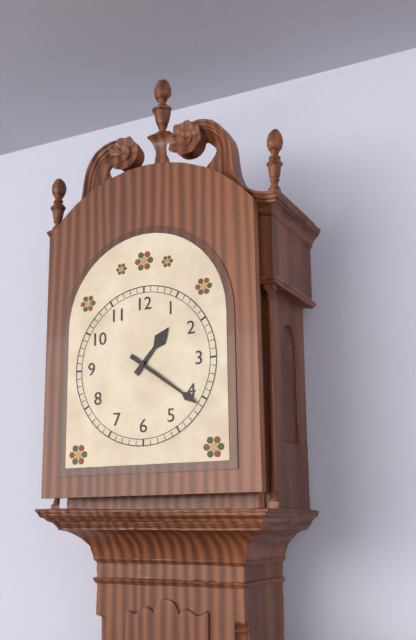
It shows 1h21
